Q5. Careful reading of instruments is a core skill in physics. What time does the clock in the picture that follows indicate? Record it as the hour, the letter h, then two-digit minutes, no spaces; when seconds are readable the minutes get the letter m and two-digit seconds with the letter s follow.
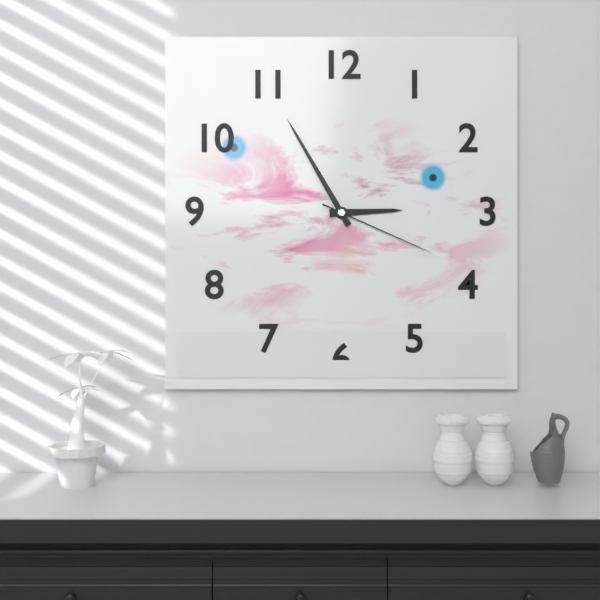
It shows 2h55m19s
